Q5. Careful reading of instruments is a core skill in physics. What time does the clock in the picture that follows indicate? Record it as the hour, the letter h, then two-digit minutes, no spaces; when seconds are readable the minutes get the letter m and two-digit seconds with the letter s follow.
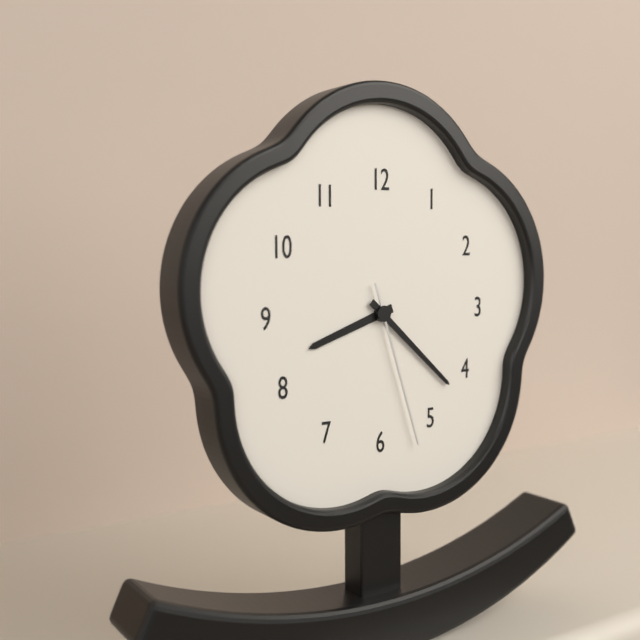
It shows 8h22m27s
